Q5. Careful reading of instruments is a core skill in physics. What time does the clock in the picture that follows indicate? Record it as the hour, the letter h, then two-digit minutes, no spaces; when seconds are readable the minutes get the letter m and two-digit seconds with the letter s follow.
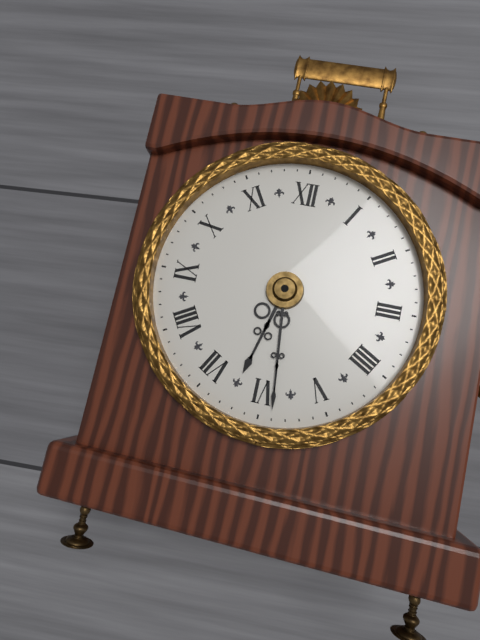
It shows 6h29
